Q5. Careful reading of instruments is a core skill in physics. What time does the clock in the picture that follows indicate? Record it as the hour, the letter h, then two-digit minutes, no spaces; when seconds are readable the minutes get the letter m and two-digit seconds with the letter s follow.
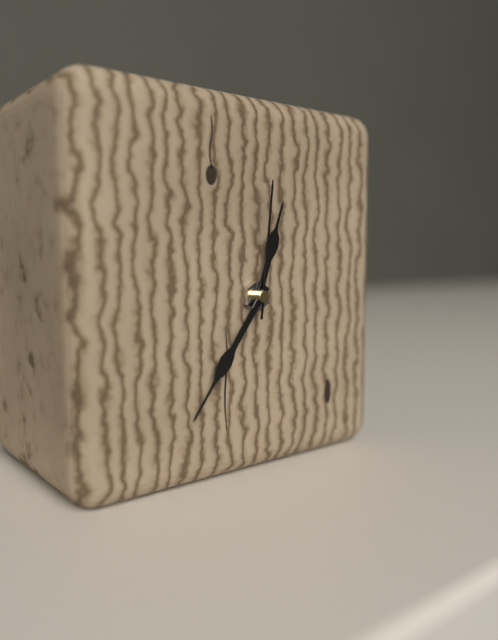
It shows 12h36m01s
